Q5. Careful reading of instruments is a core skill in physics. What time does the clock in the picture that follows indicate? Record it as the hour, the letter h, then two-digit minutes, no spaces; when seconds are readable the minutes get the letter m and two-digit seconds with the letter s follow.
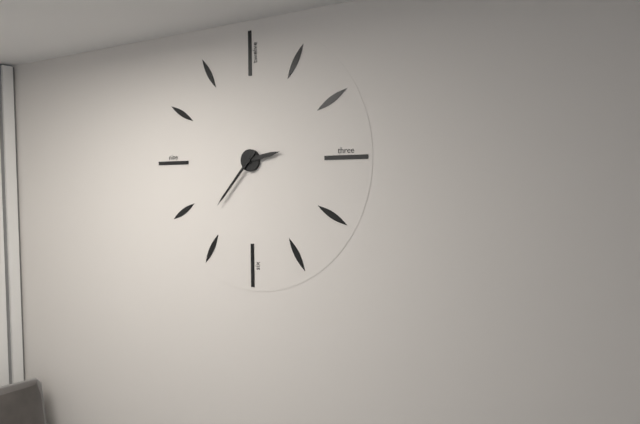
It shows 2h37
